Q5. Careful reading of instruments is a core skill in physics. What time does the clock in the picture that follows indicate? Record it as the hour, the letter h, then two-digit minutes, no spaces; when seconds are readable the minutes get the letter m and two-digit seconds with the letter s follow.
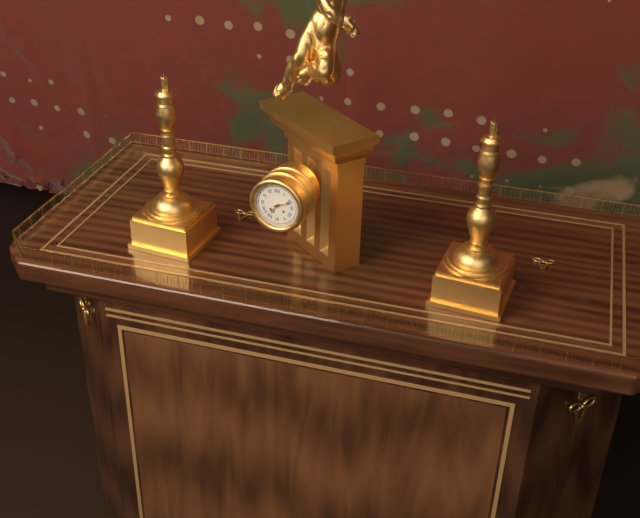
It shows 7h11
